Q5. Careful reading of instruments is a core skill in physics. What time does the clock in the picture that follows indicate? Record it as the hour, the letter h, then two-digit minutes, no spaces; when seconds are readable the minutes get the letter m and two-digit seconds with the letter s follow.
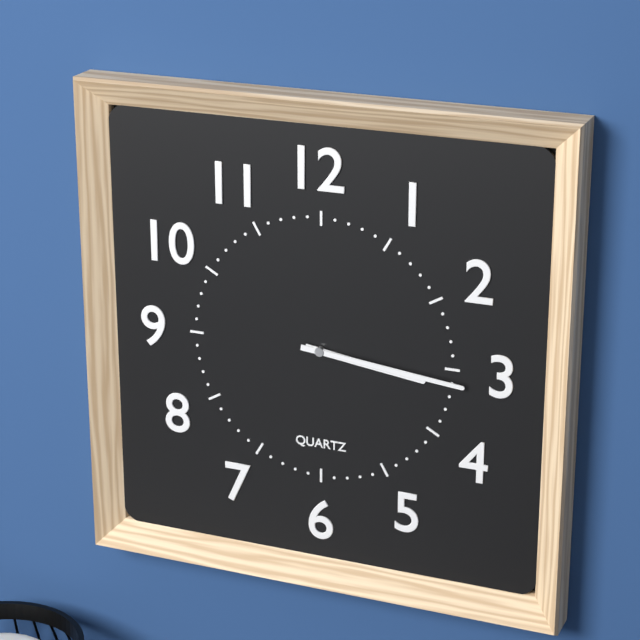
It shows 3h16
